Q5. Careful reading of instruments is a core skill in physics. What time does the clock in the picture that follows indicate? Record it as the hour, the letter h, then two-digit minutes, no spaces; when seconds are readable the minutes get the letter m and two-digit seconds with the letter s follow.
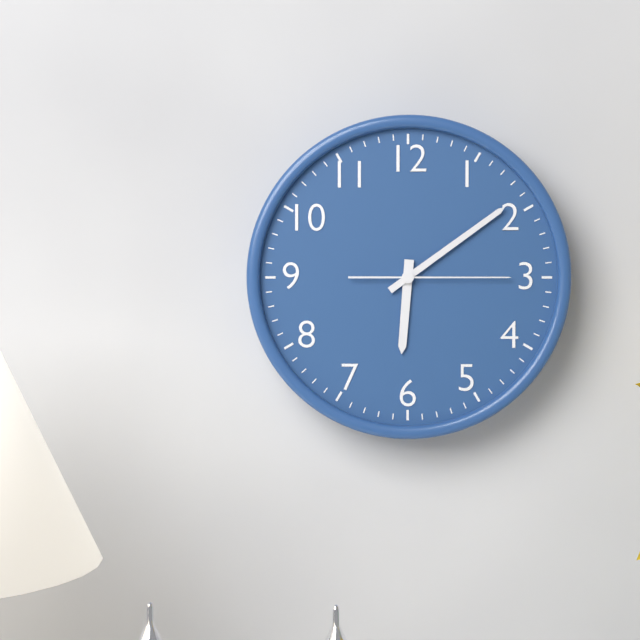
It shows 6h09m15s
